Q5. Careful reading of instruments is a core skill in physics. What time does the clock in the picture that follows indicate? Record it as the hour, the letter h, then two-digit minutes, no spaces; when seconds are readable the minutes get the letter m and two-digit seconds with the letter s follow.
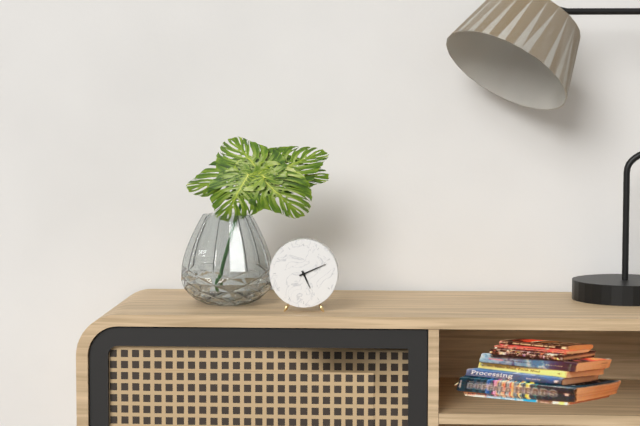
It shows 5h11
